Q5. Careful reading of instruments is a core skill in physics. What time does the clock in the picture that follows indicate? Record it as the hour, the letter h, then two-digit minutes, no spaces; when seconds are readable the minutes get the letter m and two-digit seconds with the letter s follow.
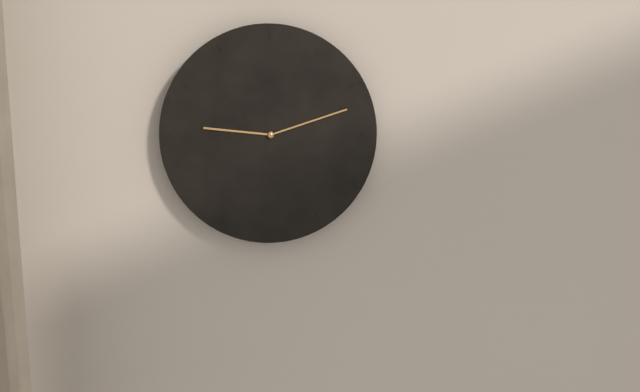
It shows 9h12
